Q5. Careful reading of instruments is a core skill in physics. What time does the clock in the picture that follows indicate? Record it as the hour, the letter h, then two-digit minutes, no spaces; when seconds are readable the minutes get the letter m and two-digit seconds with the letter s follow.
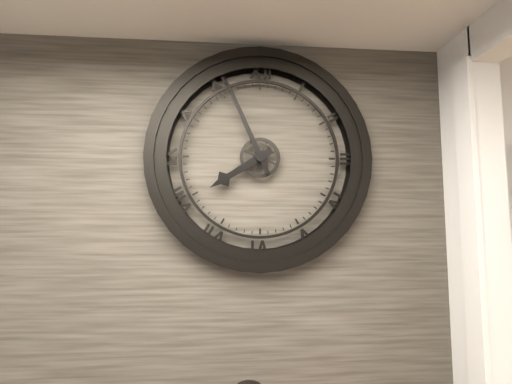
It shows 7h56
